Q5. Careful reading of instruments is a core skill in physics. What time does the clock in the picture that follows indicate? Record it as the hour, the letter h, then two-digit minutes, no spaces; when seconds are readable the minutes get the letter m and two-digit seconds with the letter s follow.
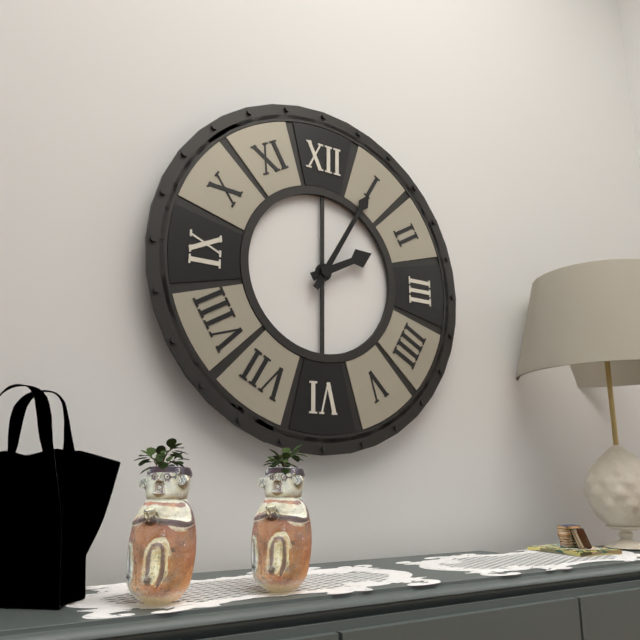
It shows 2h05
